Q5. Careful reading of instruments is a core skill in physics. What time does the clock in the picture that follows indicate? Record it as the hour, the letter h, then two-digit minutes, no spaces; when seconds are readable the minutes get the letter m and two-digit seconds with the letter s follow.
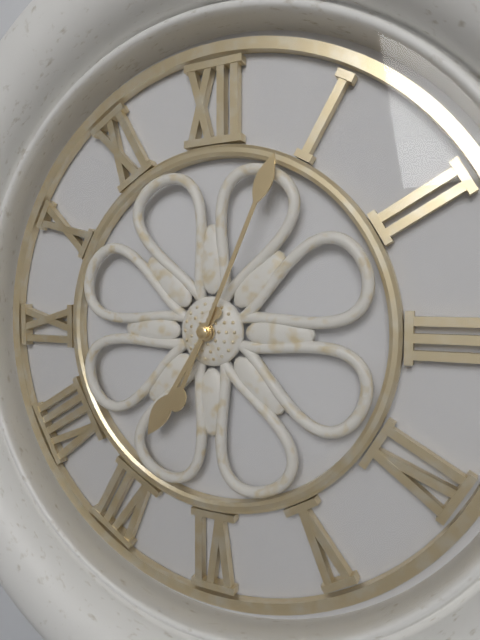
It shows 7h04
